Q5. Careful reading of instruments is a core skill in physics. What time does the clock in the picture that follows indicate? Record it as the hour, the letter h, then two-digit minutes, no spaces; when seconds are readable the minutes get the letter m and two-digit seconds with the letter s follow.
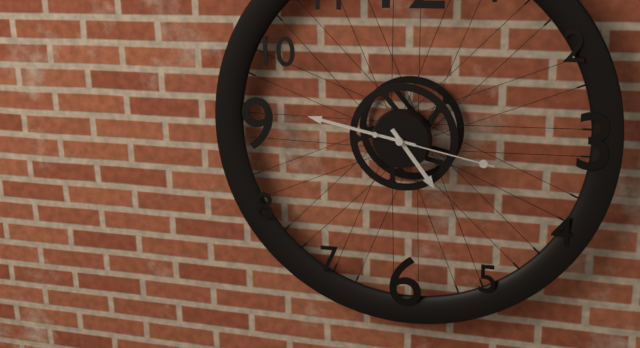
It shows 4h47m17s
